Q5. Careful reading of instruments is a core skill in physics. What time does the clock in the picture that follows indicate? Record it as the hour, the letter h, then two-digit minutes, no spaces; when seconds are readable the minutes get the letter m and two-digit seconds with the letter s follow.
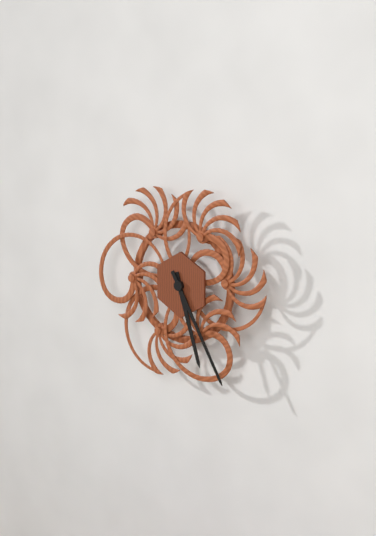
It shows 5h25
